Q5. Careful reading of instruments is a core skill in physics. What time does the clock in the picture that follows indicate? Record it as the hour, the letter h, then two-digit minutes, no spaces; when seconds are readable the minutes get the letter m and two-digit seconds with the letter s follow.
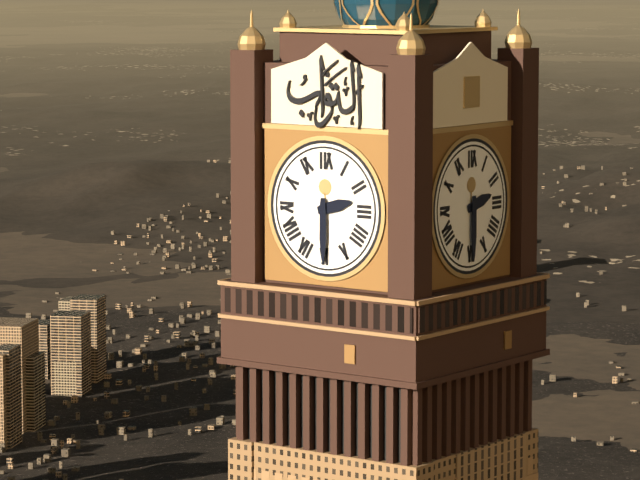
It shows 2h30
